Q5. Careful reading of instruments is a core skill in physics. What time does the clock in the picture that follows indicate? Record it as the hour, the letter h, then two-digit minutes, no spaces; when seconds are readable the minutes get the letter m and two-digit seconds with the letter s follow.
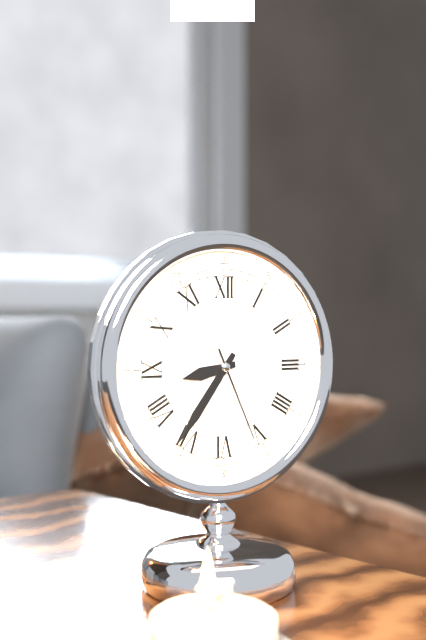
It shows 8h36m26s
